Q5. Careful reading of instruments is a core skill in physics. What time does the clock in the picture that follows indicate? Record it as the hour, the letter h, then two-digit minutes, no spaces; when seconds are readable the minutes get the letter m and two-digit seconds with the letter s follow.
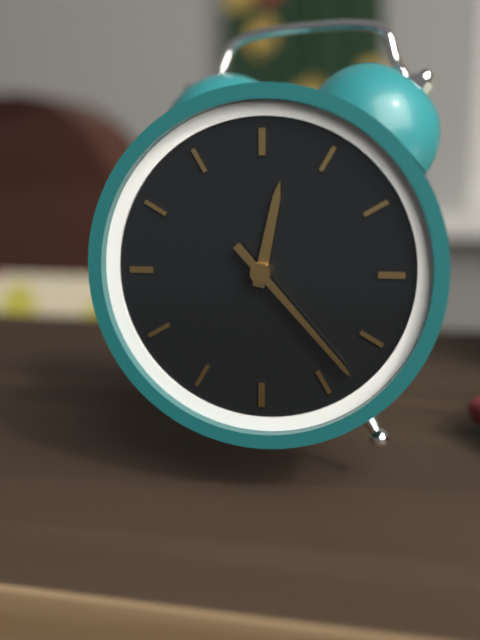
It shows 12h23
